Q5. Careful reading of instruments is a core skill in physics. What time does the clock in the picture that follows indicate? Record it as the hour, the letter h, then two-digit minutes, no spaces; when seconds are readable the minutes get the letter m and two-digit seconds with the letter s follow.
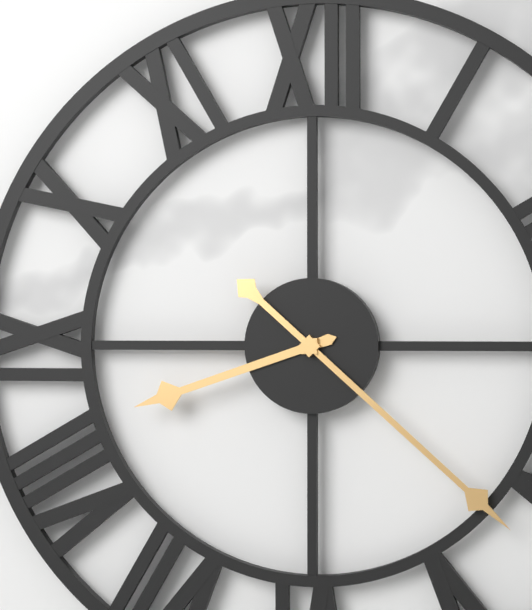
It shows 8h22
